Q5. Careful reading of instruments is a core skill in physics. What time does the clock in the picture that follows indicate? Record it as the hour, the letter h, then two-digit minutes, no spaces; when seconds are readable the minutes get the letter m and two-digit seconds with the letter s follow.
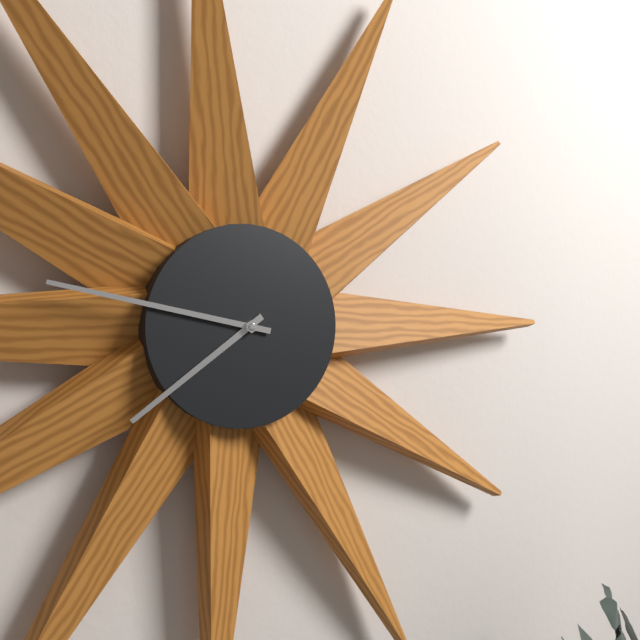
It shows 7h47
